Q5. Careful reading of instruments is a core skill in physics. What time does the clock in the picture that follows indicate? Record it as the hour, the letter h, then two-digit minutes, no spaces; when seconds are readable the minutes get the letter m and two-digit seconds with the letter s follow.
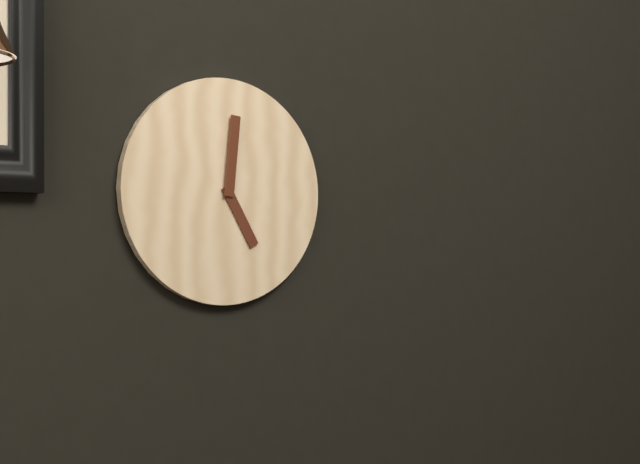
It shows 5h01
